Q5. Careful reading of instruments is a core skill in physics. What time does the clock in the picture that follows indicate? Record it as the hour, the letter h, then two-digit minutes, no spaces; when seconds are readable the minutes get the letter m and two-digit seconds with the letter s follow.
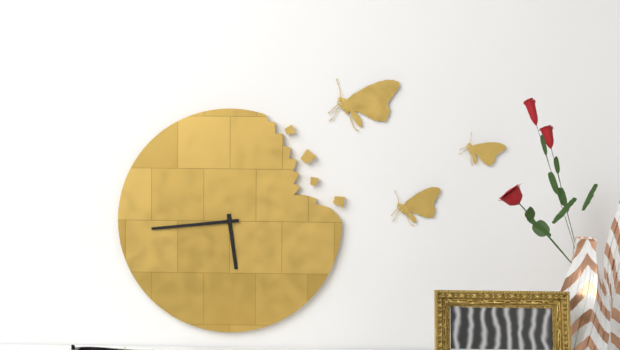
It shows 5h44
